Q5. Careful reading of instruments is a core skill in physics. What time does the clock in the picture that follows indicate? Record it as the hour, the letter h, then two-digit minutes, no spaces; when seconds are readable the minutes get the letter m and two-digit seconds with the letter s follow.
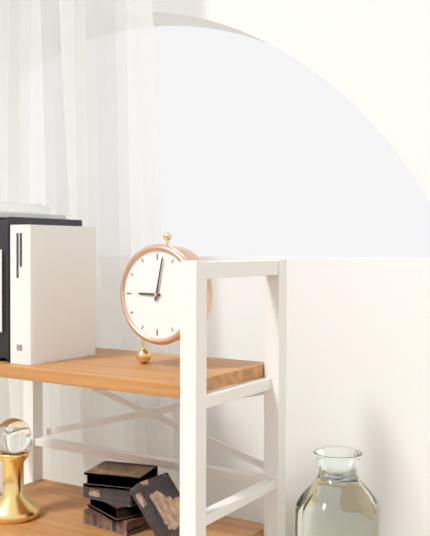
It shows 9h02
